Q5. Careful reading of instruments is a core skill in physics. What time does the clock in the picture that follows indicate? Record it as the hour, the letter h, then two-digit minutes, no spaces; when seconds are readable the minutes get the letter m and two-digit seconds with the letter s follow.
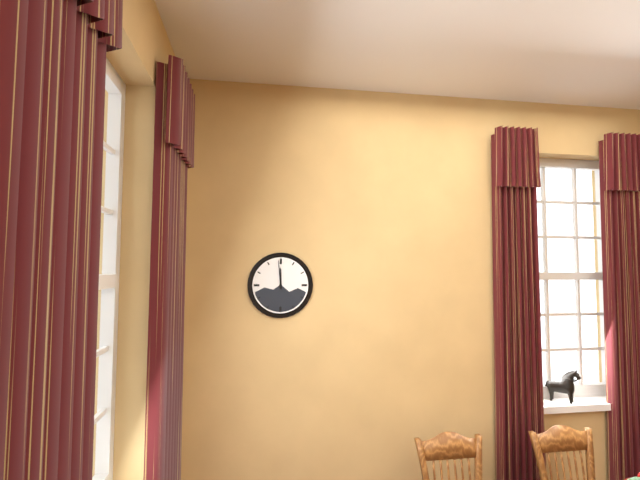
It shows 11h59
